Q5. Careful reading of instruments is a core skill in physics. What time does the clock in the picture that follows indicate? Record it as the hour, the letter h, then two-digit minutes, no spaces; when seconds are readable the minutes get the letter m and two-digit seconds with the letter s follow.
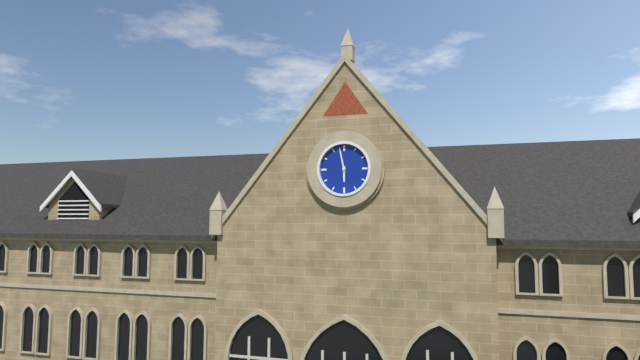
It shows 5h58
